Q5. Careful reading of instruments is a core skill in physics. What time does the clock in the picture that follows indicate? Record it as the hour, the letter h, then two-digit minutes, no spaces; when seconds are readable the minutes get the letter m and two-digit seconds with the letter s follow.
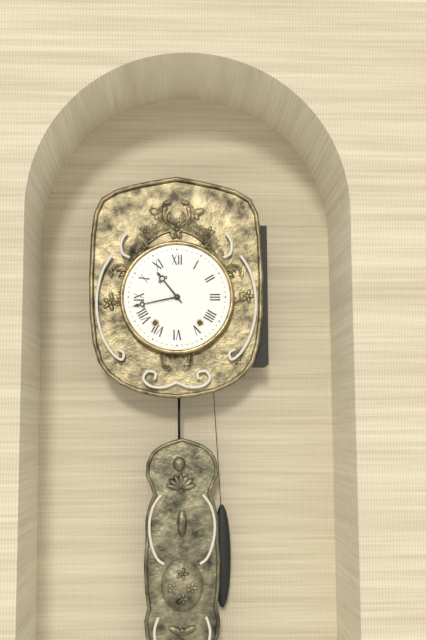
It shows 10h43
